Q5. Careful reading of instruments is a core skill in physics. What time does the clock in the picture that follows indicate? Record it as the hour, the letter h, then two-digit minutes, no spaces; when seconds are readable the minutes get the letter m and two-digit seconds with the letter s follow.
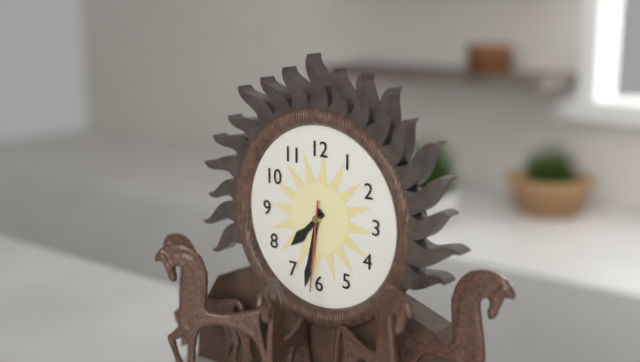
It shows 7h32m31s
